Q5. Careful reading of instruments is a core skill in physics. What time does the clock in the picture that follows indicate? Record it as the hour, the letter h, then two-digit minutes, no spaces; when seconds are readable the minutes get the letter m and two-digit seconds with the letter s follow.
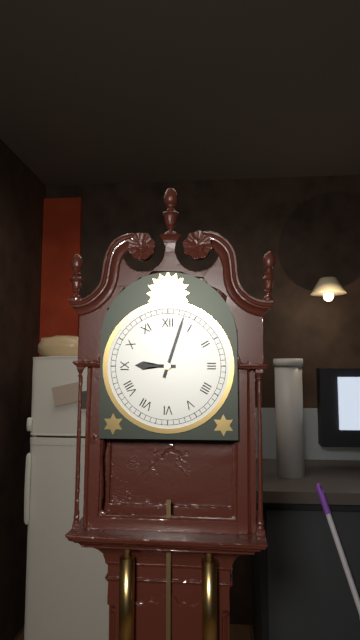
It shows 9h03
